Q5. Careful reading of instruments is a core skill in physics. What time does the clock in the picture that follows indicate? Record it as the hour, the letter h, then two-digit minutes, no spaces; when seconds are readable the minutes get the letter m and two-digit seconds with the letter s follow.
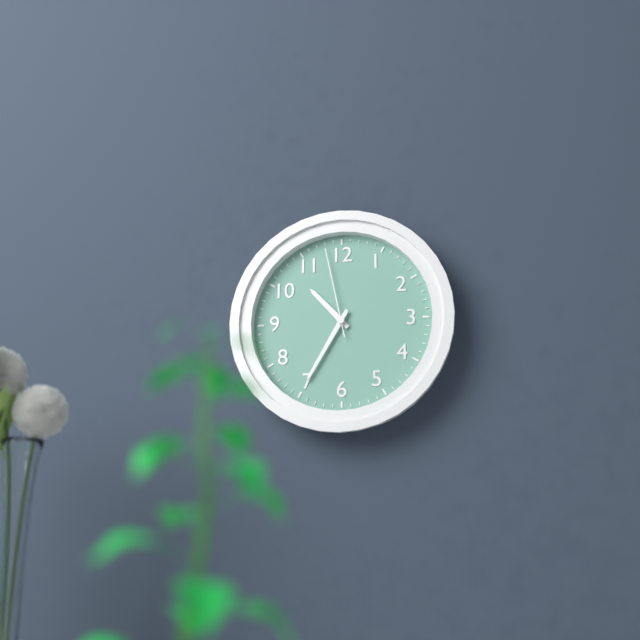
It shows 10h35m58s
